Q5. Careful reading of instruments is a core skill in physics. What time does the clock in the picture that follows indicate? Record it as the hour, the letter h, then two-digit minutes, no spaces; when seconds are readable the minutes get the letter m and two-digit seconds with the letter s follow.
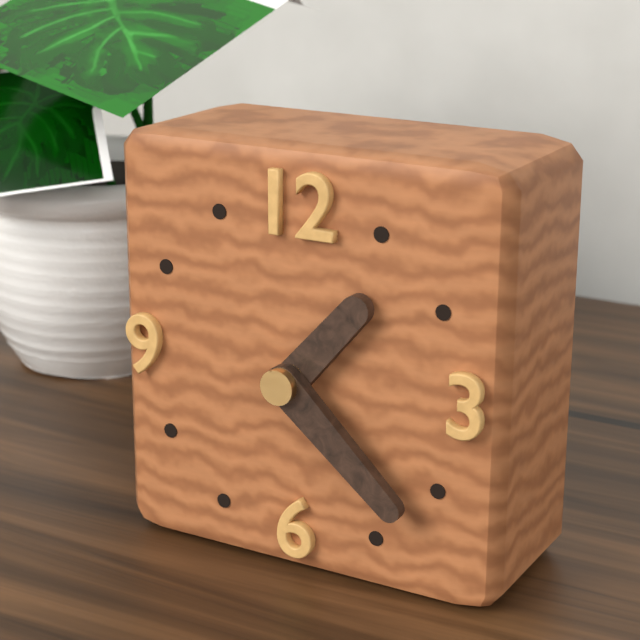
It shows 1h22
